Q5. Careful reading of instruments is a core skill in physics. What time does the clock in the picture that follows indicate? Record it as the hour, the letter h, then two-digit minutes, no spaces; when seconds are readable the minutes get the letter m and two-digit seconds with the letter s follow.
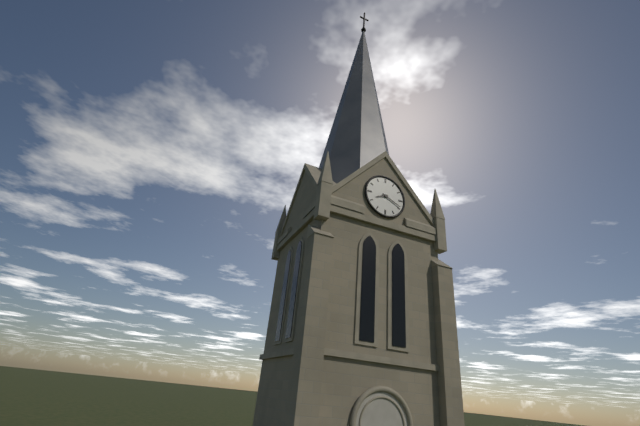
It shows 8h19
